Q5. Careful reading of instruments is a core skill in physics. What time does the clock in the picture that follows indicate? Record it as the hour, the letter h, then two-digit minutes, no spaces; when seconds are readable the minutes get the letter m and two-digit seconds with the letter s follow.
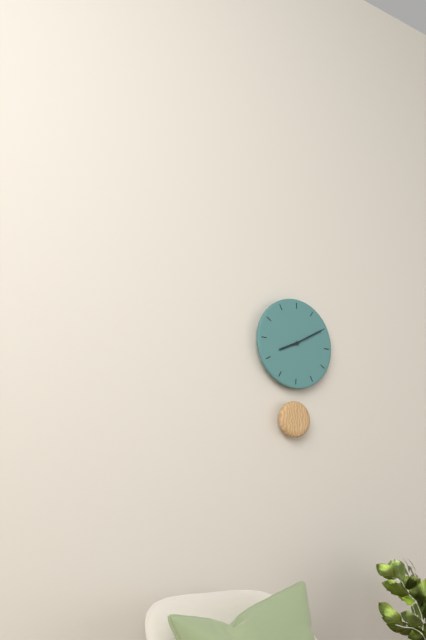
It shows 8h10
